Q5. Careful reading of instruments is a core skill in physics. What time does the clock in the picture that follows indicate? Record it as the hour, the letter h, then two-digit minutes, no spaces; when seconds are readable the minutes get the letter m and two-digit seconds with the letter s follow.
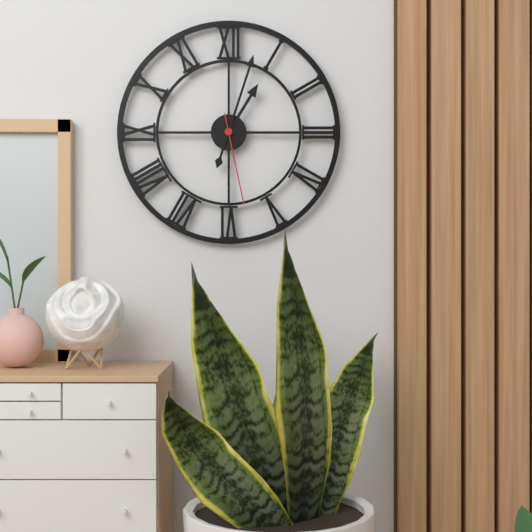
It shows 1h03m28s
